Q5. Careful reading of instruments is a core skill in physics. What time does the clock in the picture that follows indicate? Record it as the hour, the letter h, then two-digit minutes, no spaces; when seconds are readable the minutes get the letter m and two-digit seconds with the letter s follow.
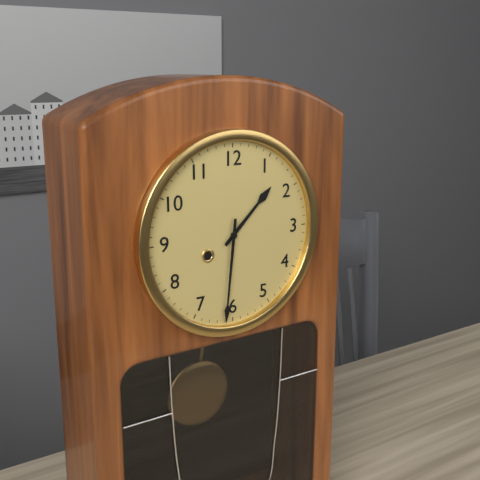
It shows 1h31
